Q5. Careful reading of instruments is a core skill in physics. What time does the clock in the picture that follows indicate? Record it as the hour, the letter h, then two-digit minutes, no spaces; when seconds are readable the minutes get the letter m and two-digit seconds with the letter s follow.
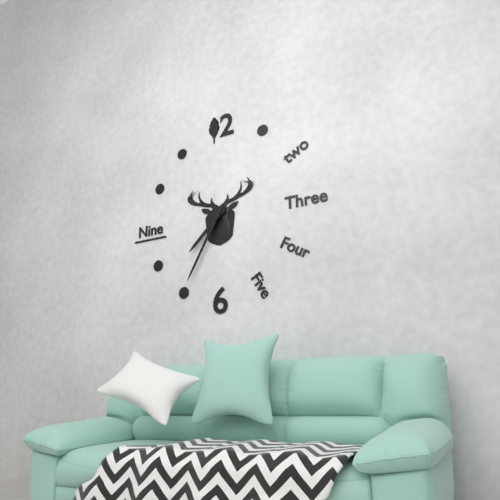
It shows 7h35
